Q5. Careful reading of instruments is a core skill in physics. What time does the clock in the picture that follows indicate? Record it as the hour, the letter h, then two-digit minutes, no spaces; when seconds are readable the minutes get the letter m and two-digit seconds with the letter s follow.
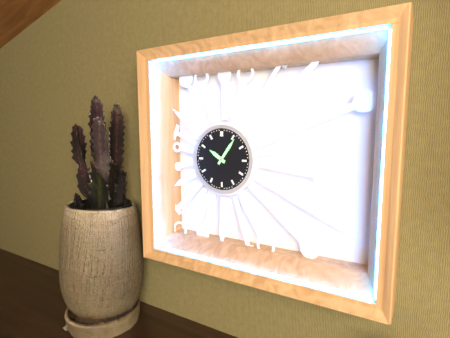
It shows 10h06
